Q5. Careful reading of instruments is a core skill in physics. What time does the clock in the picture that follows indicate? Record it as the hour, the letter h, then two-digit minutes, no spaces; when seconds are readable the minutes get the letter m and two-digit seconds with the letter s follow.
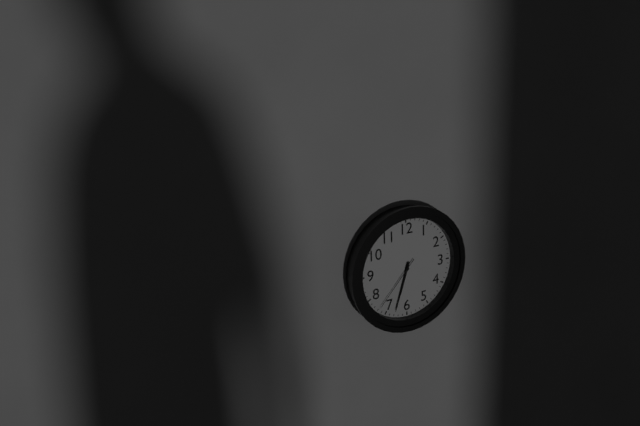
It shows 6h33m37s
